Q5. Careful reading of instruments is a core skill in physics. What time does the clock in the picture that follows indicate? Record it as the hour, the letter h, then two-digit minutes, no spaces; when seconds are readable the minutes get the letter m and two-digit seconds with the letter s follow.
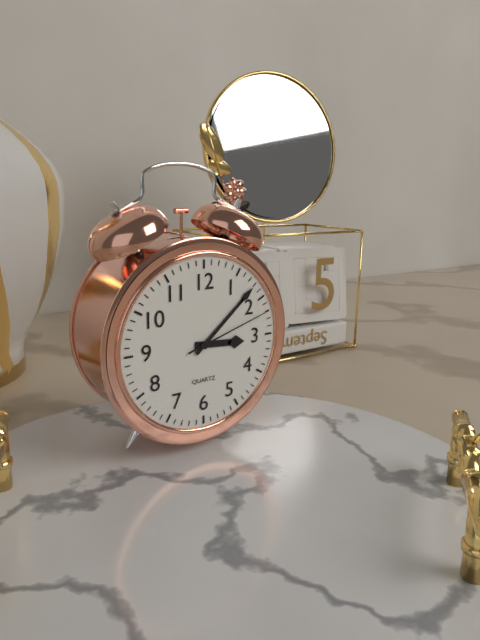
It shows 3h08m12s
